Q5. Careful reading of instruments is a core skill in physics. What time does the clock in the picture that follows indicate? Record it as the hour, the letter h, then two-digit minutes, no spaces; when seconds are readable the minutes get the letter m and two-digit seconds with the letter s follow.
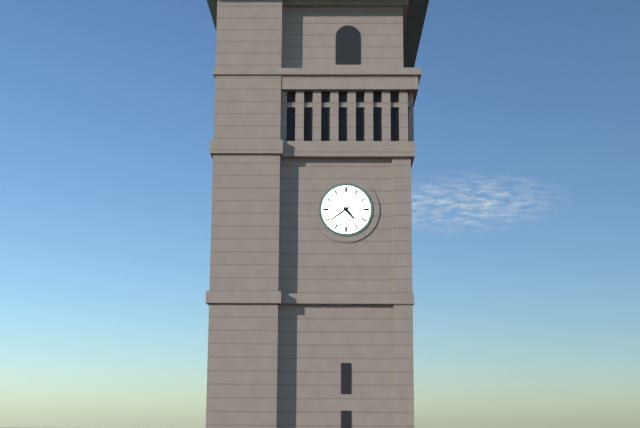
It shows 4h39
